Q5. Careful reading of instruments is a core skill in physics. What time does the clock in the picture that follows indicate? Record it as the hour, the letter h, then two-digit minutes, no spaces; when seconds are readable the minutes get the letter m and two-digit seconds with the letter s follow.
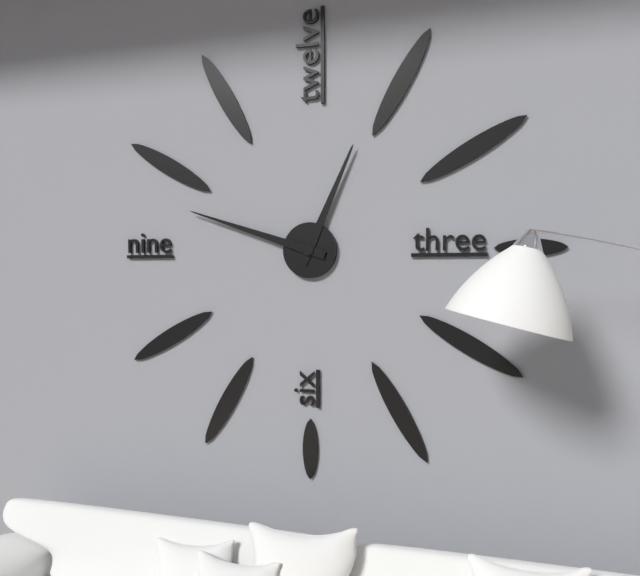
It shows 12h48
